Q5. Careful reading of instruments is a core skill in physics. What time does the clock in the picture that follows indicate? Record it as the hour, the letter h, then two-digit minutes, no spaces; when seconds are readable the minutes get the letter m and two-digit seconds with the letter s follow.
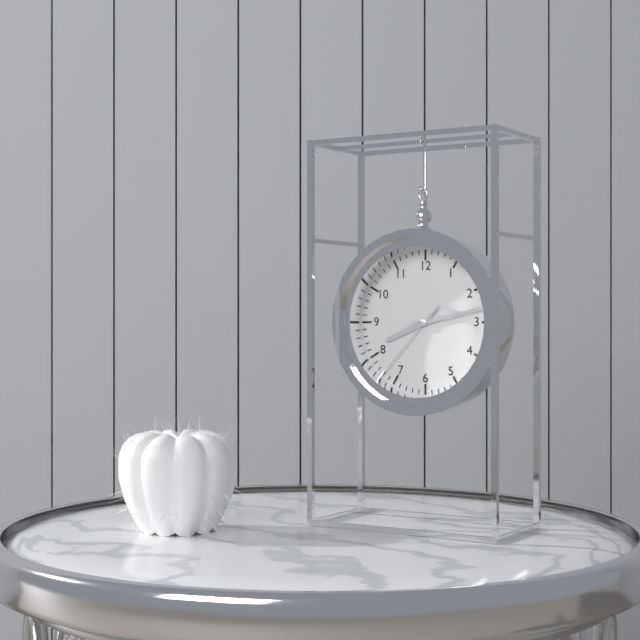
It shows 8h13m37s
